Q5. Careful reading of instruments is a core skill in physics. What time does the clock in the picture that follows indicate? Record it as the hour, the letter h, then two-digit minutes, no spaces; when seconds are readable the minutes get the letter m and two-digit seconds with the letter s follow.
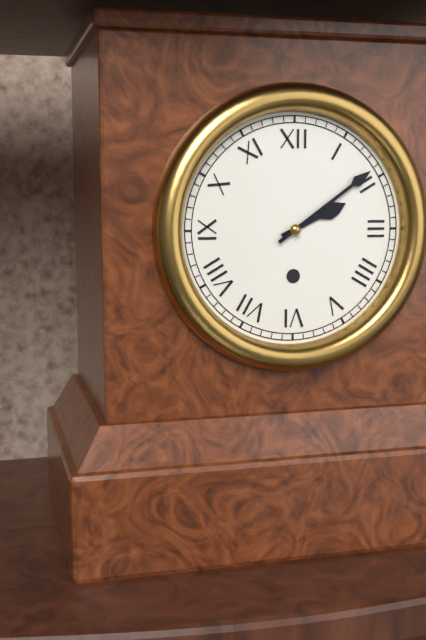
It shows 2h09
